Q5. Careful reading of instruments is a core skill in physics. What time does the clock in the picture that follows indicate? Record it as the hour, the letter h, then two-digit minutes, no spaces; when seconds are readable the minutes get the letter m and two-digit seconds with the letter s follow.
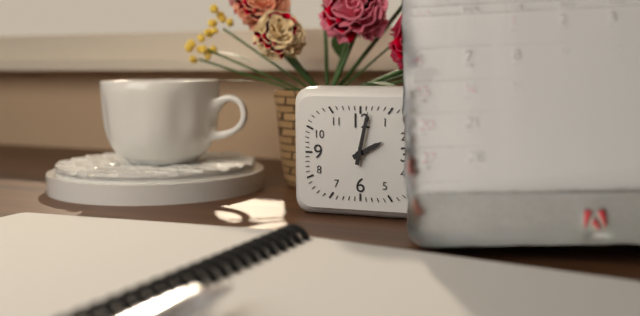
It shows 2h02
